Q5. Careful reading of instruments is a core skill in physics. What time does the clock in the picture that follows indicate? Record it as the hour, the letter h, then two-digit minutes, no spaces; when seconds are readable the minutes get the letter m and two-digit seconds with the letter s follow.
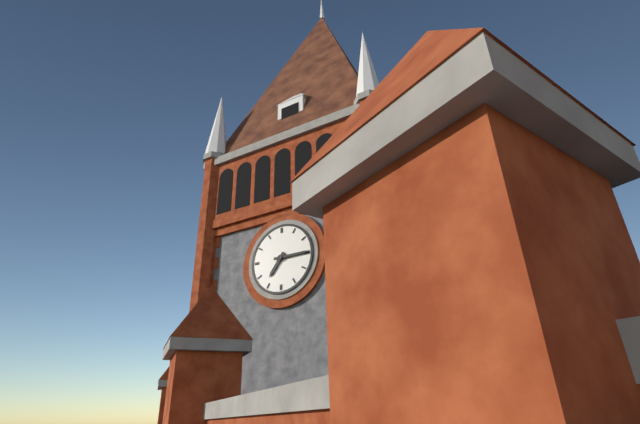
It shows 7h15
